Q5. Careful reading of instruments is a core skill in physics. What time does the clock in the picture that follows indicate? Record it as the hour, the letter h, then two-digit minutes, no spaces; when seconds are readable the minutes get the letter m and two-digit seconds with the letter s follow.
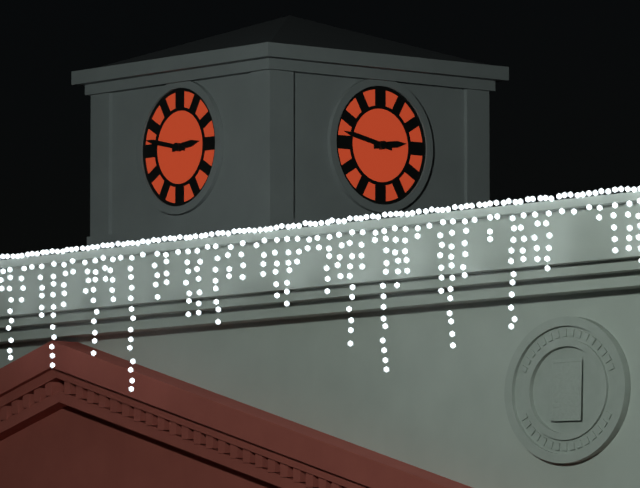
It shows 2h47
